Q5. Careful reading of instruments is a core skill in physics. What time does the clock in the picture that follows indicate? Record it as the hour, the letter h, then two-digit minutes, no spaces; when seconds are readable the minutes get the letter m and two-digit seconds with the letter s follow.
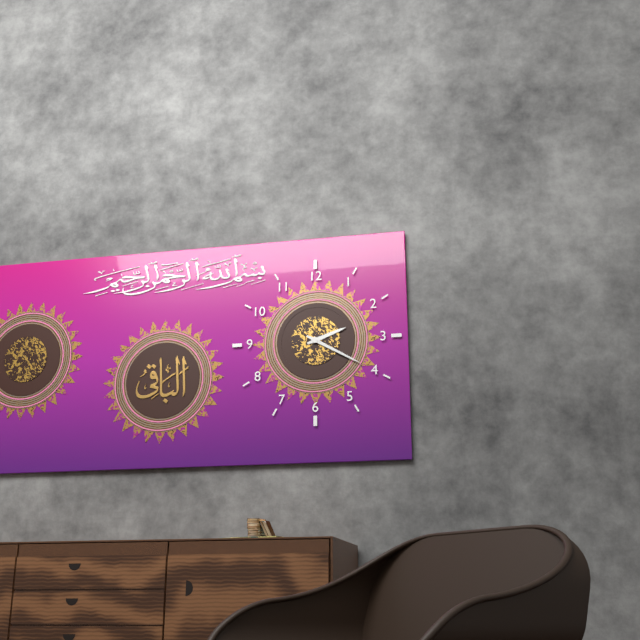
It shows 2h20
